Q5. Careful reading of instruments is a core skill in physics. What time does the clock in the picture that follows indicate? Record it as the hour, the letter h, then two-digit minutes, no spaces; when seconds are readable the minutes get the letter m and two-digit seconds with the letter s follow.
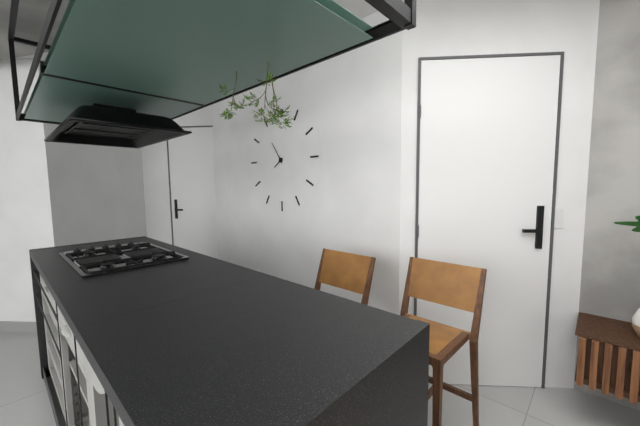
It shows 7h54
